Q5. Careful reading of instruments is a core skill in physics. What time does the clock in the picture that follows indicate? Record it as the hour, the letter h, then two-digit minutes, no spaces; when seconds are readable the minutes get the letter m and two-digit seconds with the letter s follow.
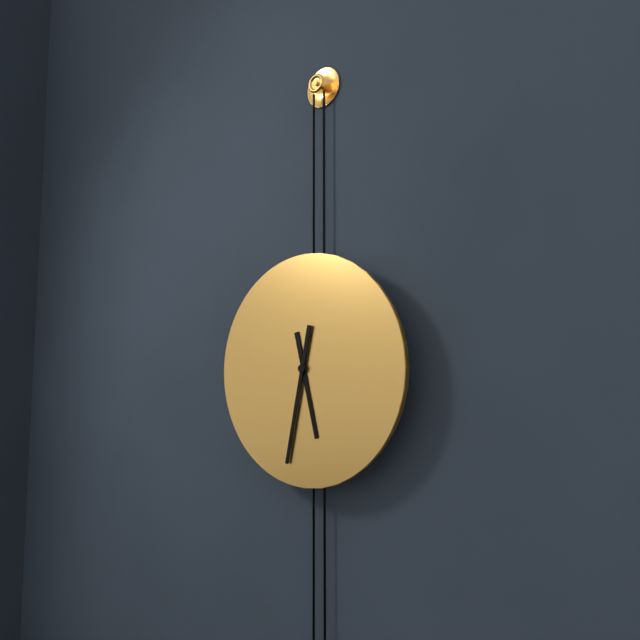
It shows 5h32
